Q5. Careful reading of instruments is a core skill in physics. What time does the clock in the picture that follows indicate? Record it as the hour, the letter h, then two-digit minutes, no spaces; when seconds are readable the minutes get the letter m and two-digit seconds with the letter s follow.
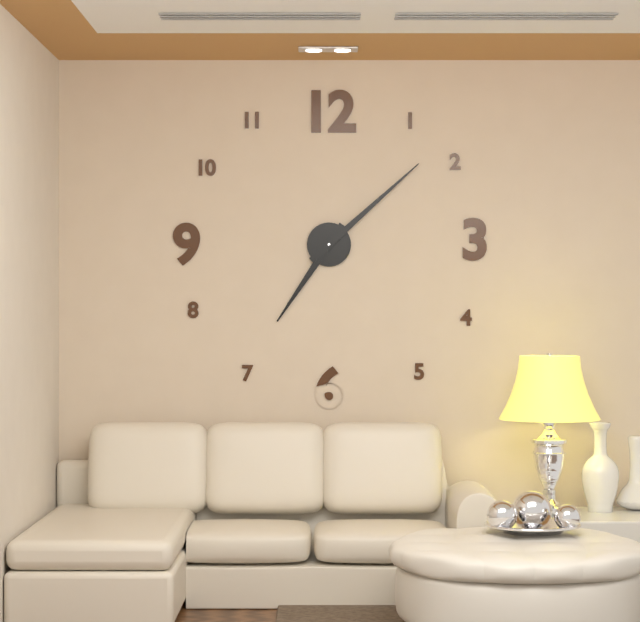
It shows 7h08
